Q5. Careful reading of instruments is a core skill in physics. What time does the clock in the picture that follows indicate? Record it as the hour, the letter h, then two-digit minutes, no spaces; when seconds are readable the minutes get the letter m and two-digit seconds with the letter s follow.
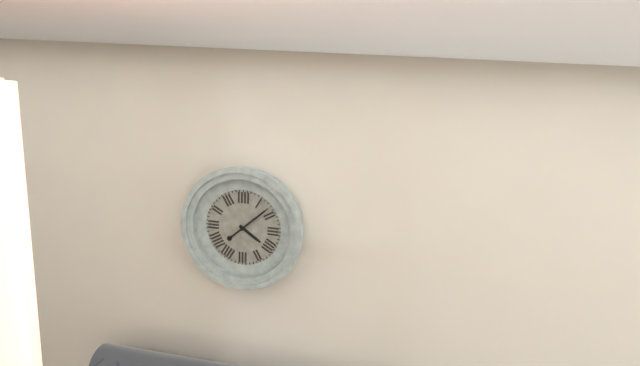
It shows 4h08
